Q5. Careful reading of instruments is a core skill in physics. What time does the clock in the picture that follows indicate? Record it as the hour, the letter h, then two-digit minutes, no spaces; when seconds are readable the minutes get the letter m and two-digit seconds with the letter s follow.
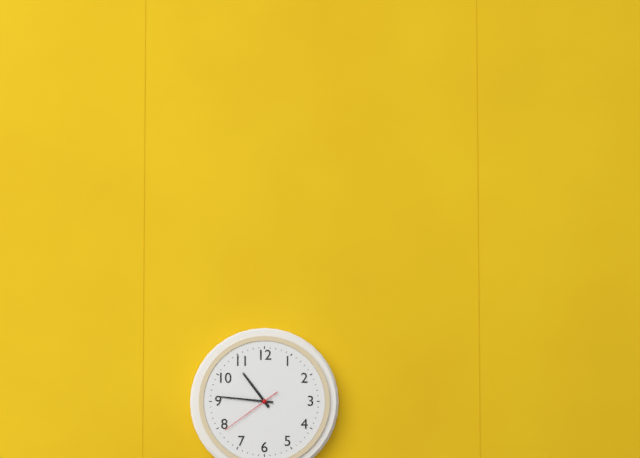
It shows 10h46m39s
